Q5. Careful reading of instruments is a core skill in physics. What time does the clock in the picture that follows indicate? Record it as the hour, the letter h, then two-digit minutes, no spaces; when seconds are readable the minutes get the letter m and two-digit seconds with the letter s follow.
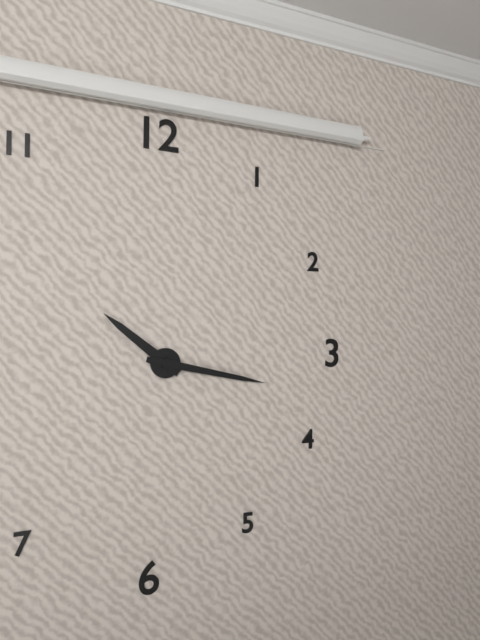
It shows 10h17
